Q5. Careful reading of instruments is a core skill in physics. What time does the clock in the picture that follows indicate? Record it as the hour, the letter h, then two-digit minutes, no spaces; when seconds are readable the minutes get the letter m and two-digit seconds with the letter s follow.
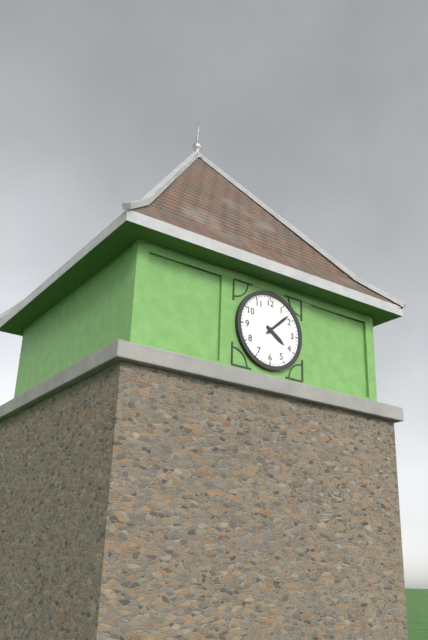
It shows 4h08
